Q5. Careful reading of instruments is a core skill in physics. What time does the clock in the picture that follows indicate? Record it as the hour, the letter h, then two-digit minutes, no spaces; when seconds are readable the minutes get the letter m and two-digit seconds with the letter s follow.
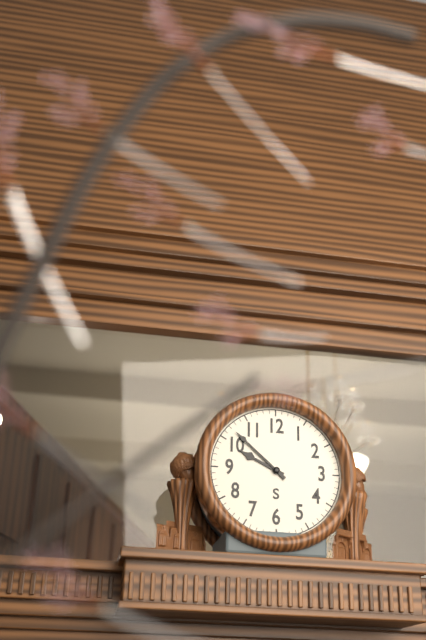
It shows 9h52
